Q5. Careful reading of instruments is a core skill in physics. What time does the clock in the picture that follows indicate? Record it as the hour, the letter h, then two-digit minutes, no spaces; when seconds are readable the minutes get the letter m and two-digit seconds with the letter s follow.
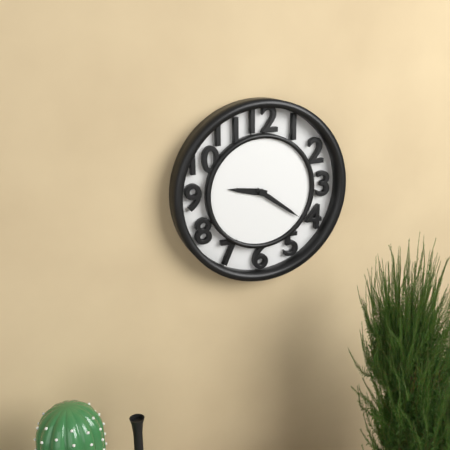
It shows 9h21
